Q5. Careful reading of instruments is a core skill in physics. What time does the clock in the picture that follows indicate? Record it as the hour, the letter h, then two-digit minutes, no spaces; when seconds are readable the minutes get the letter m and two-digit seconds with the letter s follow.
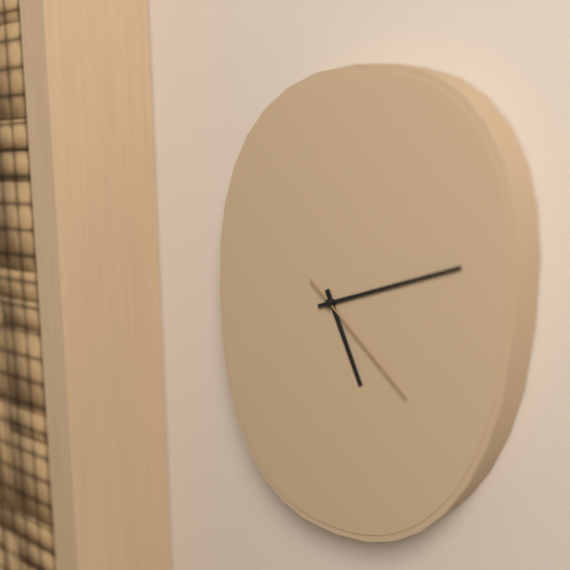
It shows 5h12m22s
